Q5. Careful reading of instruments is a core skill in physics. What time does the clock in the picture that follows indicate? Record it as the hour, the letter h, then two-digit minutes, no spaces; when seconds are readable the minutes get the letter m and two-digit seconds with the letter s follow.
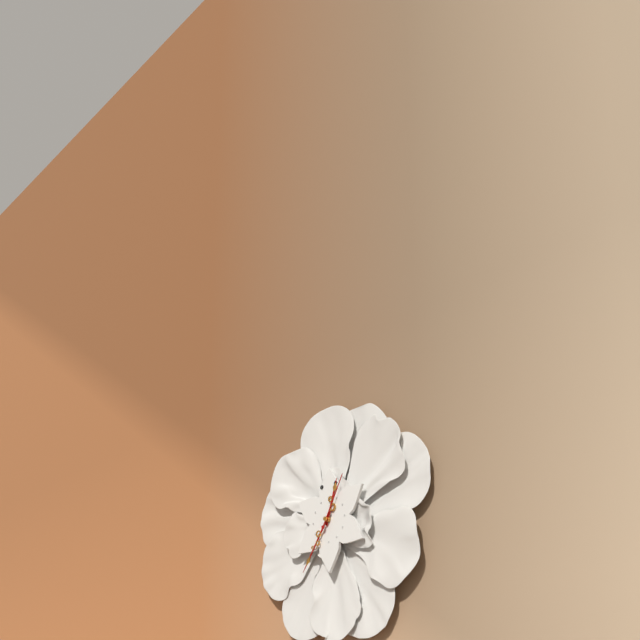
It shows 12h36m05s
